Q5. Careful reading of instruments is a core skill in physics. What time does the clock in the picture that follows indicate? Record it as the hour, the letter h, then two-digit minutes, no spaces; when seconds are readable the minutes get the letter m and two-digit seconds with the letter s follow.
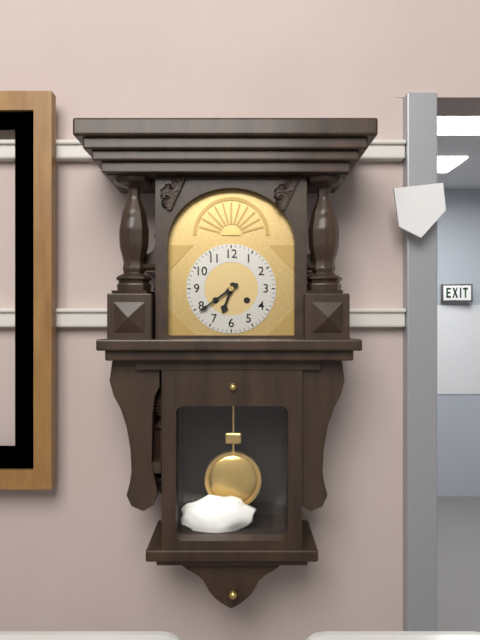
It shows 6h39
